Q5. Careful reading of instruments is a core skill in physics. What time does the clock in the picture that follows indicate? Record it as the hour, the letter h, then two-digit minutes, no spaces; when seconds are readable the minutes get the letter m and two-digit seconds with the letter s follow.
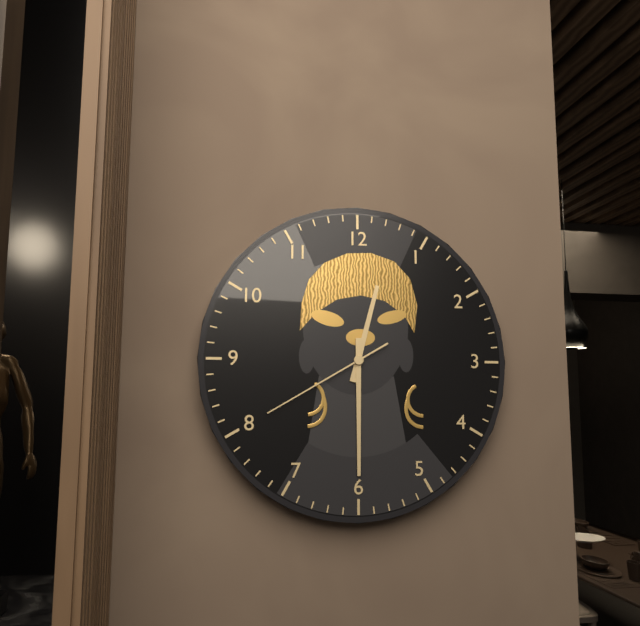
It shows 12h30m40s
